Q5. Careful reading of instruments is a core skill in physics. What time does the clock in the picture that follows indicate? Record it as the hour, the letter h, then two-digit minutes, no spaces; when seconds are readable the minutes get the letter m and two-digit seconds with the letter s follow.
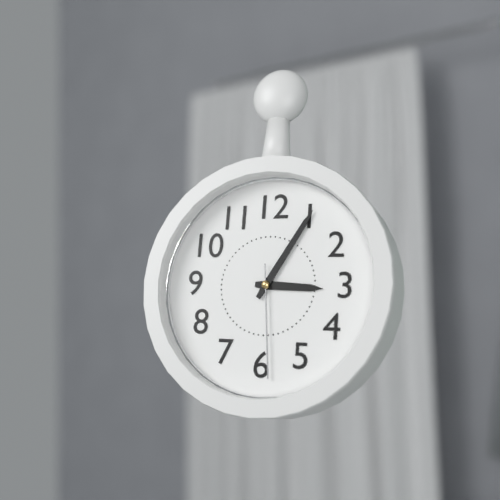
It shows 3h05m29s
